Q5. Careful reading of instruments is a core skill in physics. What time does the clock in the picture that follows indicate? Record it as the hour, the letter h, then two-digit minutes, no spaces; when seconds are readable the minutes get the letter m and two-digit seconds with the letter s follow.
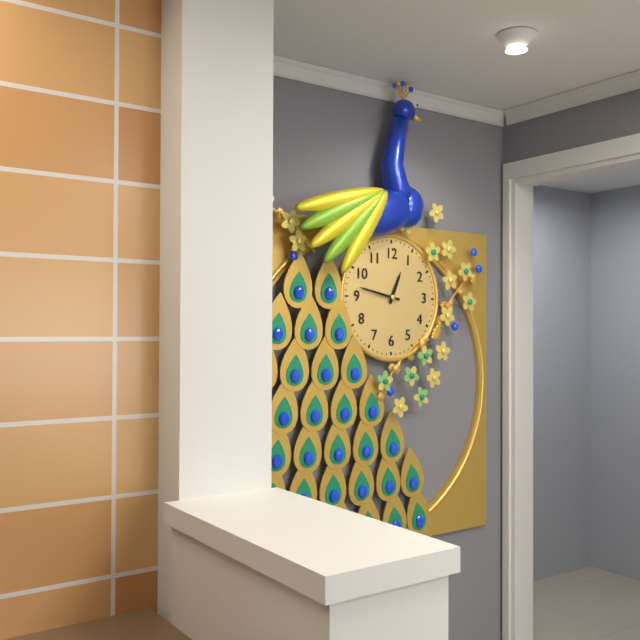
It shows 12h47
